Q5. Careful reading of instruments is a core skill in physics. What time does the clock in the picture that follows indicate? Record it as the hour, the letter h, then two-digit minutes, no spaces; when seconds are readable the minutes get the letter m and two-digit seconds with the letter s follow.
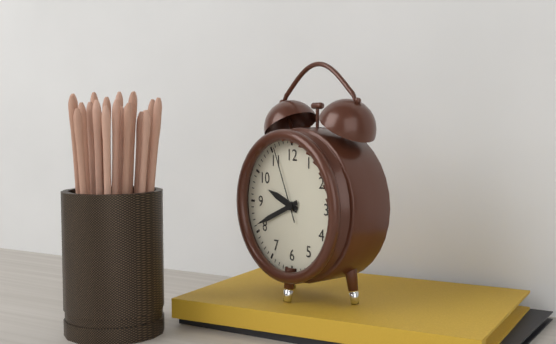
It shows 9h41m56s
